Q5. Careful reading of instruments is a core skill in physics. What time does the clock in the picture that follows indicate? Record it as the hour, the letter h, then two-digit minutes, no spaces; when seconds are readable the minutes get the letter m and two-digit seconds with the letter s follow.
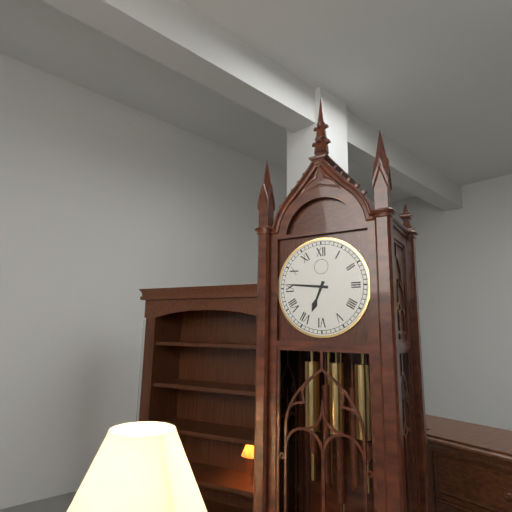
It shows 6h46
